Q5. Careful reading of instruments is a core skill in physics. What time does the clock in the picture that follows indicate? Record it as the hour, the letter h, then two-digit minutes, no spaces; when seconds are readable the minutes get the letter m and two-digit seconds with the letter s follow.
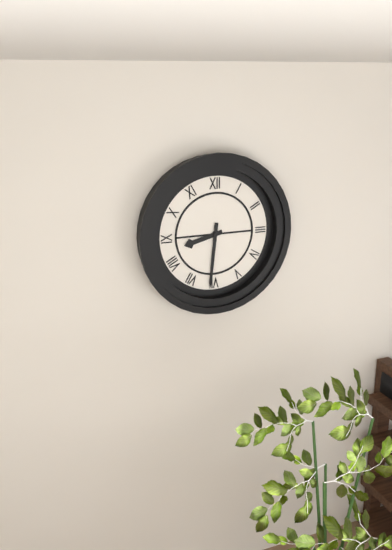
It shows 8h31
